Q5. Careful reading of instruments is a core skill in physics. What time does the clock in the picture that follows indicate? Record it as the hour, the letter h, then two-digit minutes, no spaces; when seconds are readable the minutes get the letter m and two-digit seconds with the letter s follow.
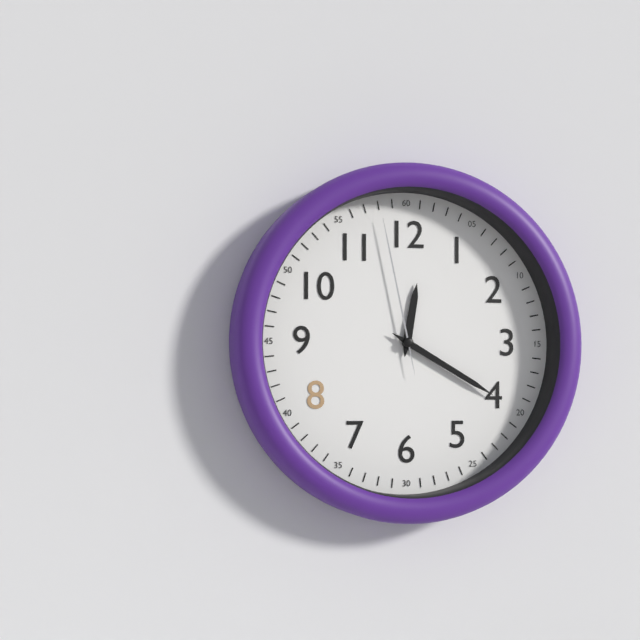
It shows 12h20m58s
